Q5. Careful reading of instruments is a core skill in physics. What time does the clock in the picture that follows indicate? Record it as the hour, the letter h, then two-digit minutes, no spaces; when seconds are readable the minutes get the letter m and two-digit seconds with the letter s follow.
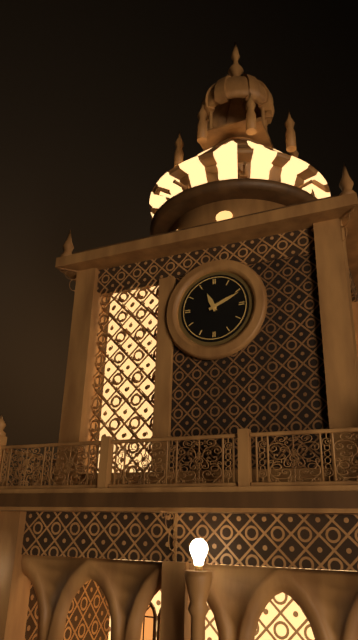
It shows 11h11
